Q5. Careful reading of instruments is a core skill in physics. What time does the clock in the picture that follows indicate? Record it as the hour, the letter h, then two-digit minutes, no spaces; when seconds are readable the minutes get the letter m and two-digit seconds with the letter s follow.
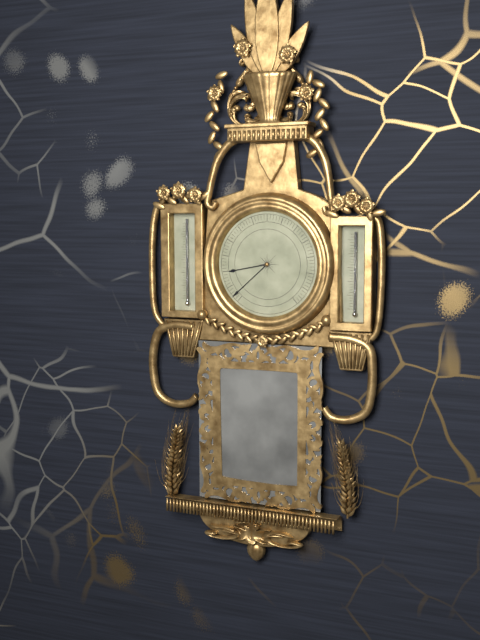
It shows 8h38
